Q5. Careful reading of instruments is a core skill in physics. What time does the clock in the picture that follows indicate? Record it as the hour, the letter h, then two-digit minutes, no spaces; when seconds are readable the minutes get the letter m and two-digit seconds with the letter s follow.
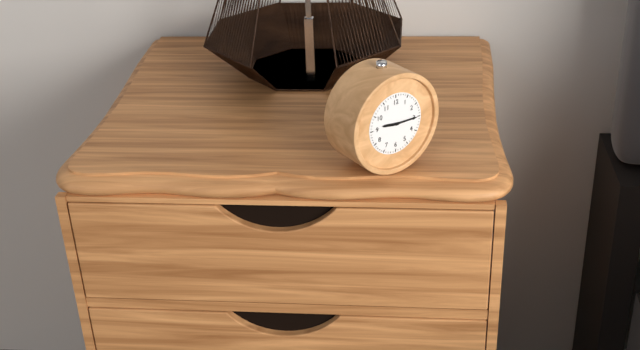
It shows 9h15
